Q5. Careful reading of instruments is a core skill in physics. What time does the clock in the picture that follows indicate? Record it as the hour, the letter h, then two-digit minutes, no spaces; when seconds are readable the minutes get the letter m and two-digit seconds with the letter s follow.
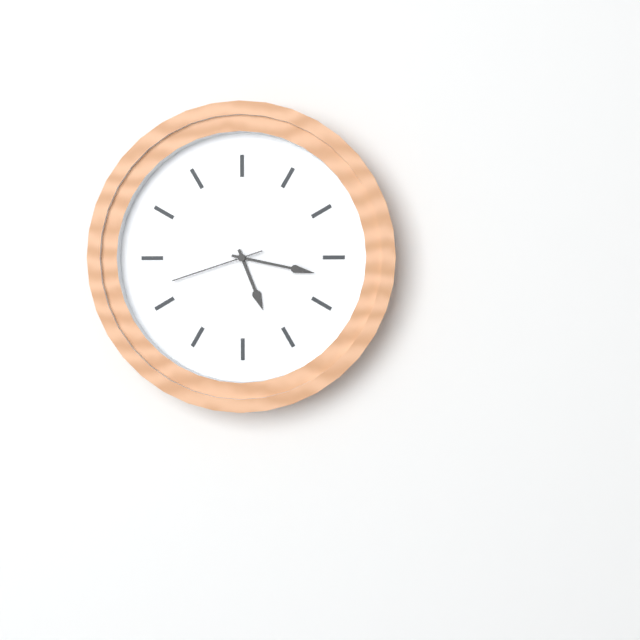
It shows 5h17m42s
